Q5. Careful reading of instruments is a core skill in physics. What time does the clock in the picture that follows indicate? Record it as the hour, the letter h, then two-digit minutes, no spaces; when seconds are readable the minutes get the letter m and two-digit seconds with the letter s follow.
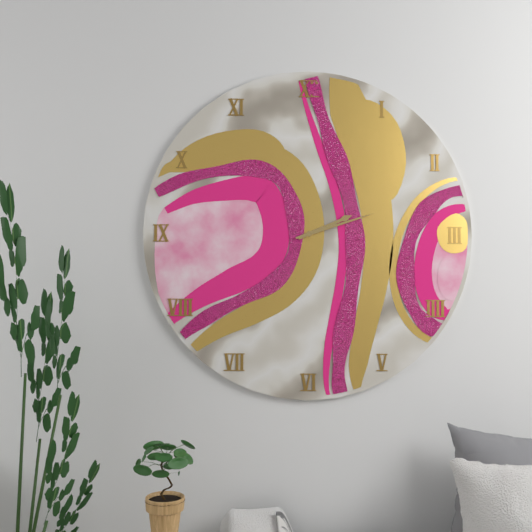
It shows 2h12
